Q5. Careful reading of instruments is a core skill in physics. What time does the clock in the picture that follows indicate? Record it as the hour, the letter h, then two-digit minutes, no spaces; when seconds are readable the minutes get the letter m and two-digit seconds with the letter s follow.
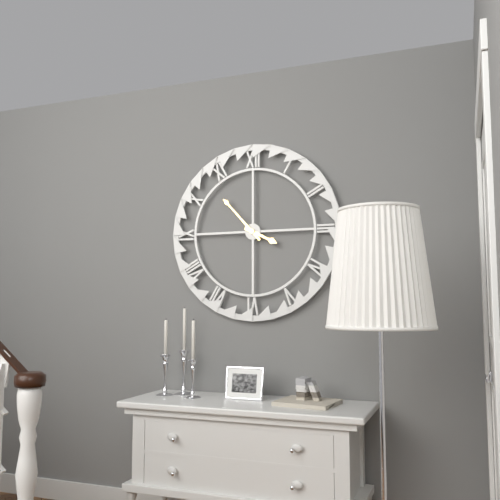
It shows 3h53
